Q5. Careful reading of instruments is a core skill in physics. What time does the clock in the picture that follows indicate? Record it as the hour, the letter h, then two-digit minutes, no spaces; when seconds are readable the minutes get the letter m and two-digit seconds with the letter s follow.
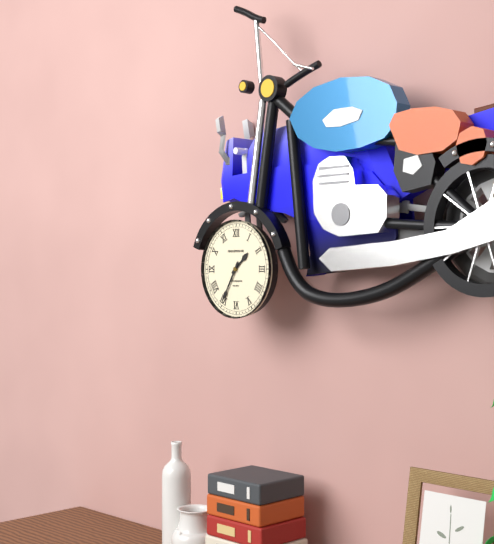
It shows 1h35
